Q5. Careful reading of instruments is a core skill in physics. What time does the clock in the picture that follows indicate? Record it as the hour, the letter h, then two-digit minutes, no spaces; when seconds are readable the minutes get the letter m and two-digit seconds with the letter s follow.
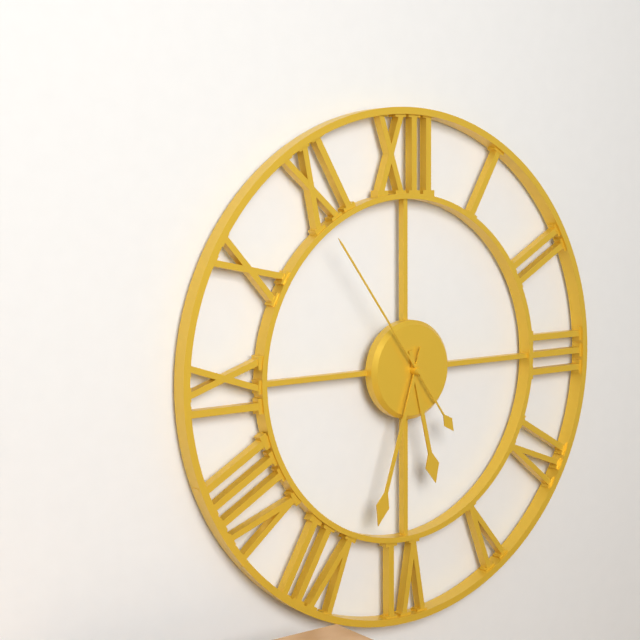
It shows 5h33m54s
